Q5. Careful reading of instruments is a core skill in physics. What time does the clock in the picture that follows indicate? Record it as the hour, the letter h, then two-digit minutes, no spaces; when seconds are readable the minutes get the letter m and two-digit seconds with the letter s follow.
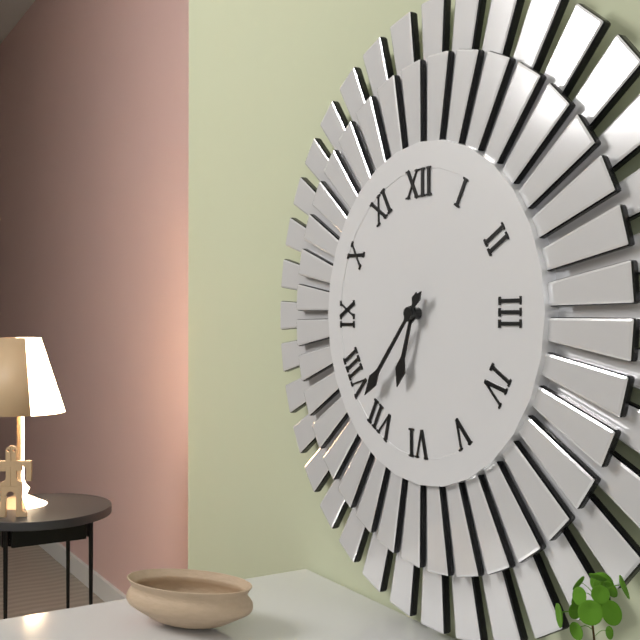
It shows 6h37
